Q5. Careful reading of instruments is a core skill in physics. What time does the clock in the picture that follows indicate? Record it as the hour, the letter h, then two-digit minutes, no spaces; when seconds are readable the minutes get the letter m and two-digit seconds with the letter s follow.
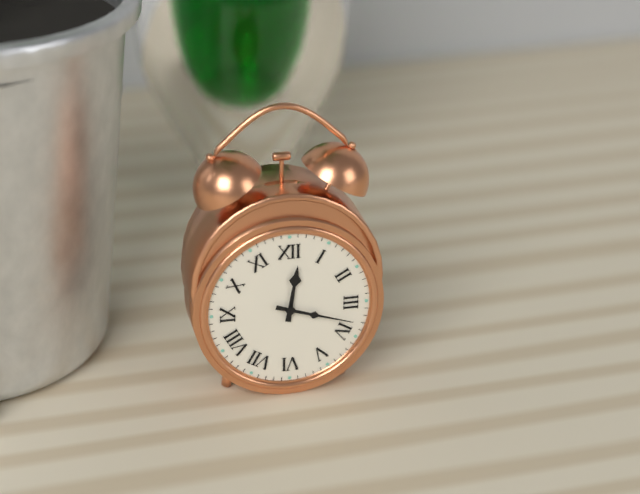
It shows 12h18
